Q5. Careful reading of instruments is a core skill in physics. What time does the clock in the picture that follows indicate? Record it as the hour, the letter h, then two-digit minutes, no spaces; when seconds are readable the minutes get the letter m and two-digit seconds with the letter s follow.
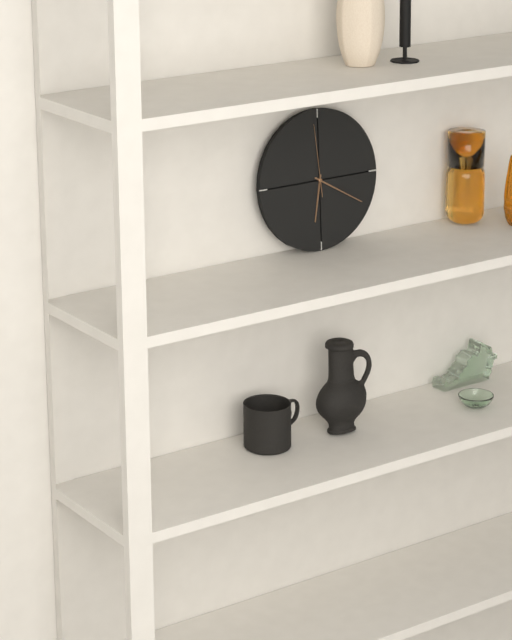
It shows 6h20m59s
